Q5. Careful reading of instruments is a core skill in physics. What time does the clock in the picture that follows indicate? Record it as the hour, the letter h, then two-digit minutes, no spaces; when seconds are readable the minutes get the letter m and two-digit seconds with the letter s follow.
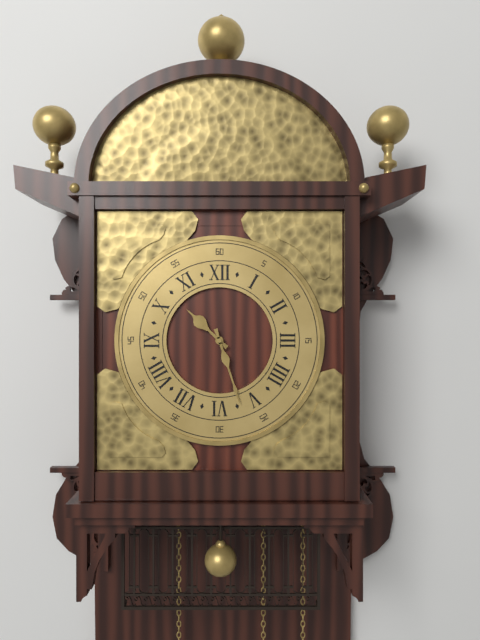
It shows 10h27
